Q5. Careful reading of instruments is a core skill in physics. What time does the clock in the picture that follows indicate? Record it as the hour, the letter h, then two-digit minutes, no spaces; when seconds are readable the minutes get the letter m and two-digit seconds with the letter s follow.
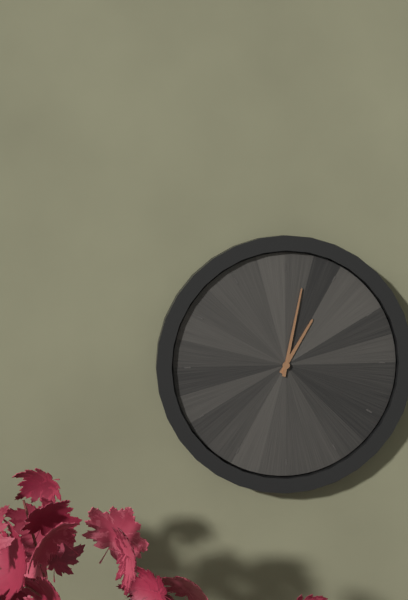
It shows 1h02
